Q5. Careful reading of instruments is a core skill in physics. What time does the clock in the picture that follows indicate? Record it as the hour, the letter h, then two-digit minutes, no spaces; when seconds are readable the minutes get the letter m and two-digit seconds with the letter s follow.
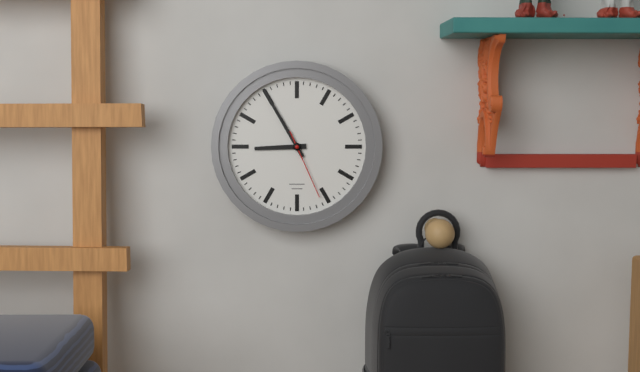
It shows 8h55m26s
